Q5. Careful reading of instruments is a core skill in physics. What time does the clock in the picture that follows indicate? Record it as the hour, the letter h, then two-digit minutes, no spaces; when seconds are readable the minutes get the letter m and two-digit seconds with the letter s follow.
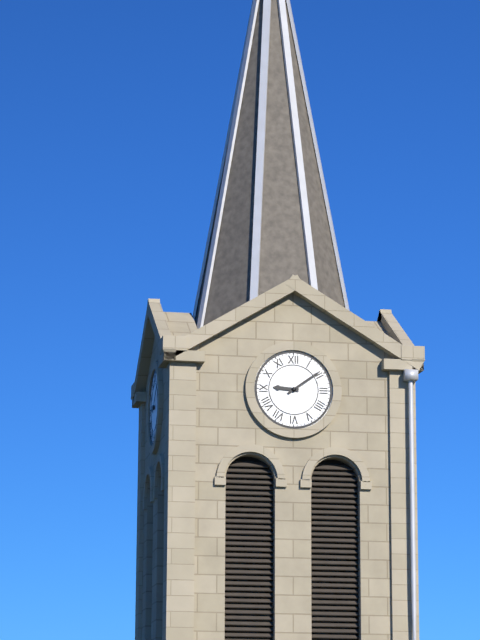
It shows 9h09
